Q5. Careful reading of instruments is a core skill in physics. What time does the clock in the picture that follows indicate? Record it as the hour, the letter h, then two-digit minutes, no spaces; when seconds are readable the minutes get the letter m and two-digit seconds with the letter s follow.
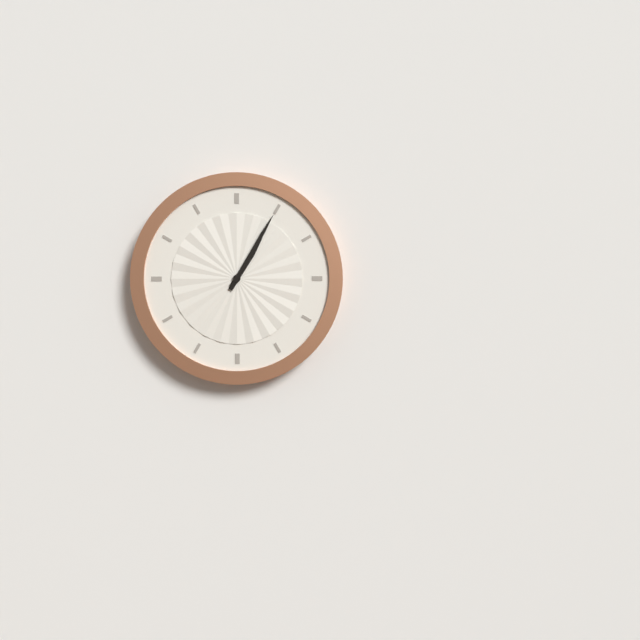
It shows 1h05
